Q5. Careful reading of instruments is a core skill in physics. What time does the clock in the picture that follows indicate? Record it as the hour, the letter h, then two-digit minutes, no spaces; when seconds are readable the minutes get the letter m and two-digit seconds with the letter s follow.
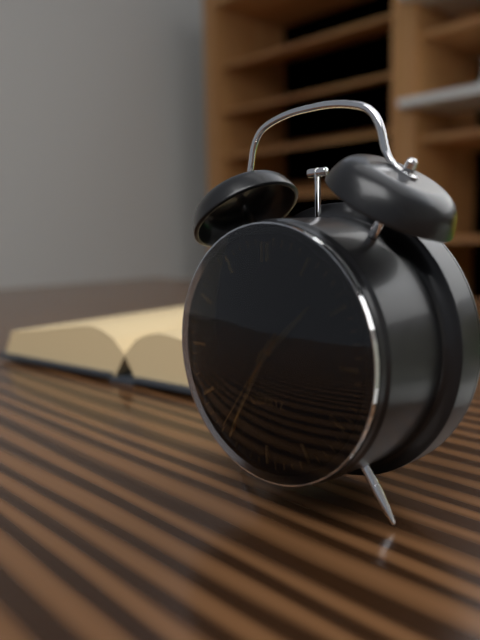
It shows 1h35m36s
